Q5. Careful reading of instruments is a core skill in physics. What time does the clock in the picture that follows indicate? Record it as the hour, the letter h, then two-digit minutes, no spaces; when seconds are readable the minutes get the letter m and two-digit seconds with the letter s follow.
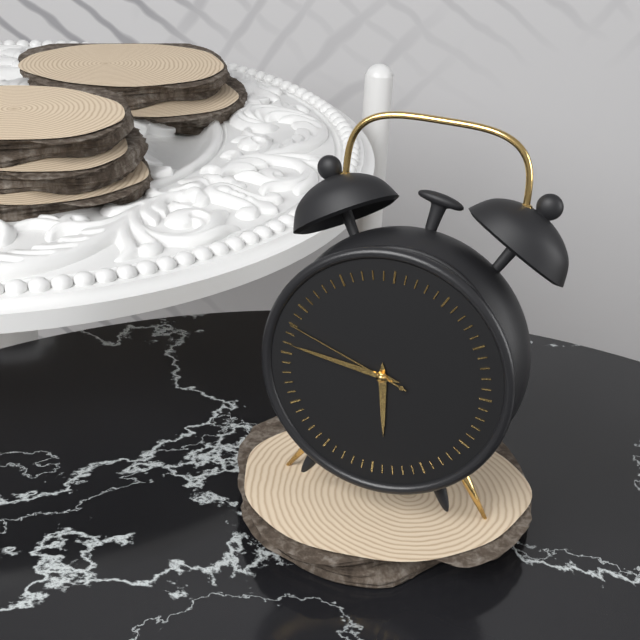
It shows 5h46m48s
